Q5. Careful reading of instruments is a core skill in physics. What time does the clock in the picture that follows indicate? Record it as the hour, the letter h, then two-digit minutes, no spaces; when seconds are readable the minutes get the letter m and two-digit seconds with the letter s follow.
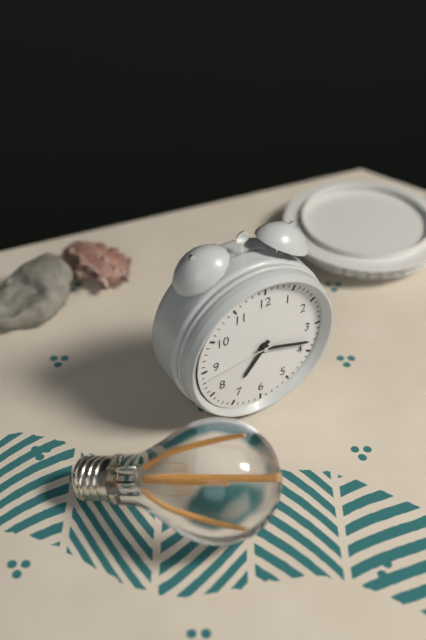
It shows 7h18m44s
